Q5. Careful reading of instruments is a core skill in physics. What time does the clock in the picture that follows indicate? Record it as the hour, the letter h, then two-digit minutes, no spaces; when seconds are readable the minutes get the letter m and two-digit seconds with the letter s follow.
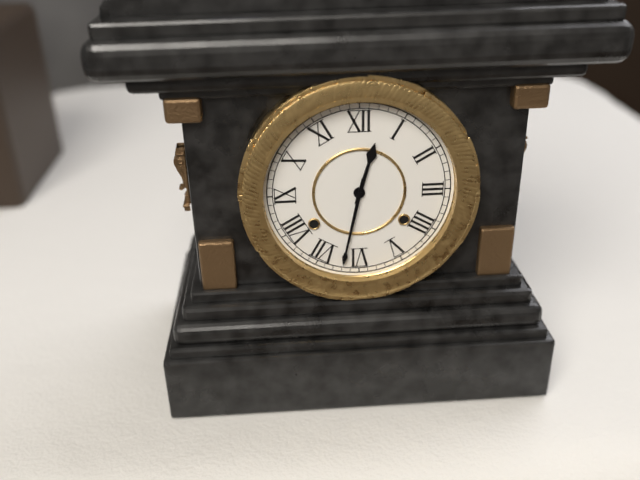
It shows 12h32
